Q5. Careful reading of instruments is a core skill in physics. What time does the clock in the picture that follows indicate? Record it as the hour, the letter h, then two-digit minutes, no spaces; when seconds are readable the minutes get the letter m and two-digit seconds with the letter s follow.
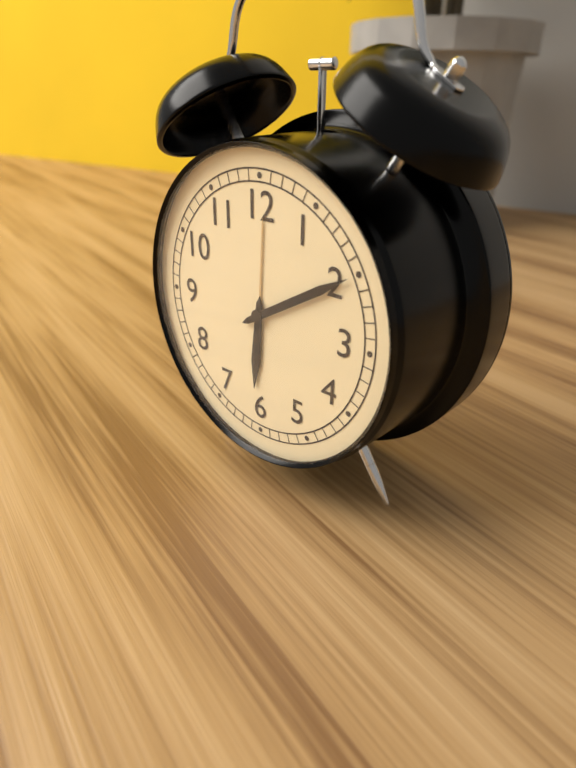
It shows 6h10
